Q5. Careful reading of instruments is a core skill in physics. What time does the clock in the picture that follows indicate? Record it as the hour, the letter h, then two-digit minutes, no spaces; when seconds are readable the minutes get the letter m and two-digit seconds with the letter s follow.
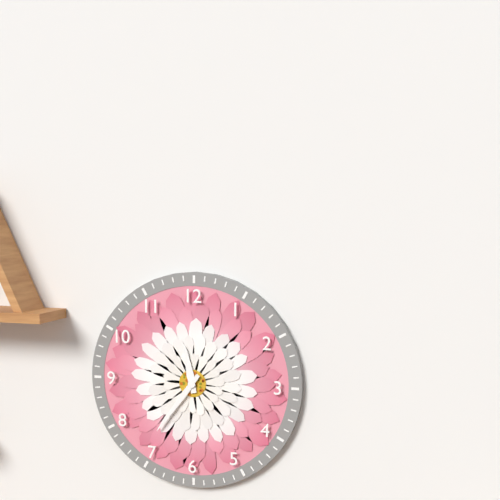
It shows 11h36
